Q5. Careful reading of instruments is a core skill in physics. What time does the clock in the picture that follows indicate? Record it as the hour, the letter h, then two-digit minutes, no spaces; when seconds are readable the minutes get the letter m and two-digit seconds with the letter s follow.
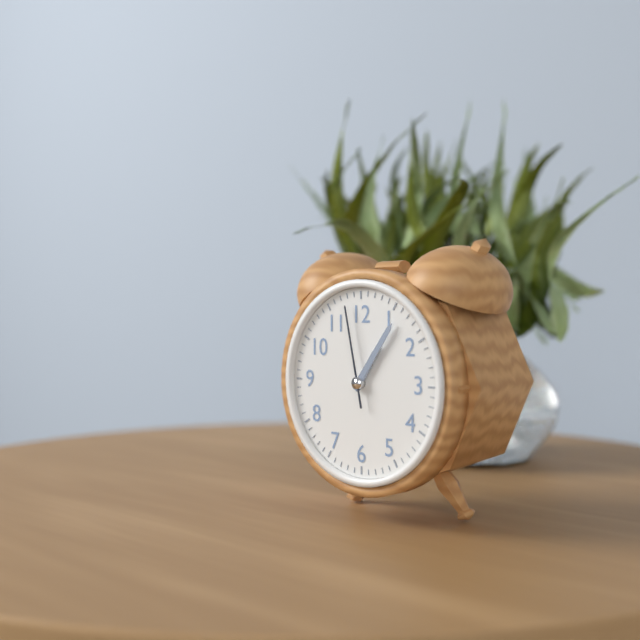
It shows 1h06m58s
